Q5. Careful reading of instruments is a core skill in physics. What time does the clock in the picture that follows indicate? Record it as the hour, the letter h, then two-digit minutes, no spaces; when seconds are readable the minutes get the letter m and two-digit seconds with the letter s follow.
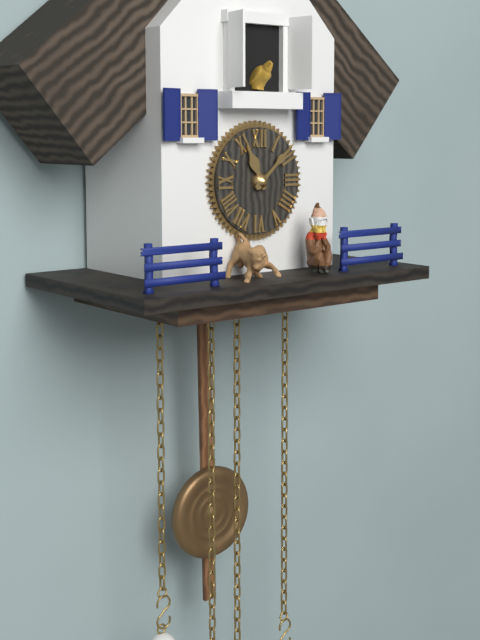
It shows 11h08
